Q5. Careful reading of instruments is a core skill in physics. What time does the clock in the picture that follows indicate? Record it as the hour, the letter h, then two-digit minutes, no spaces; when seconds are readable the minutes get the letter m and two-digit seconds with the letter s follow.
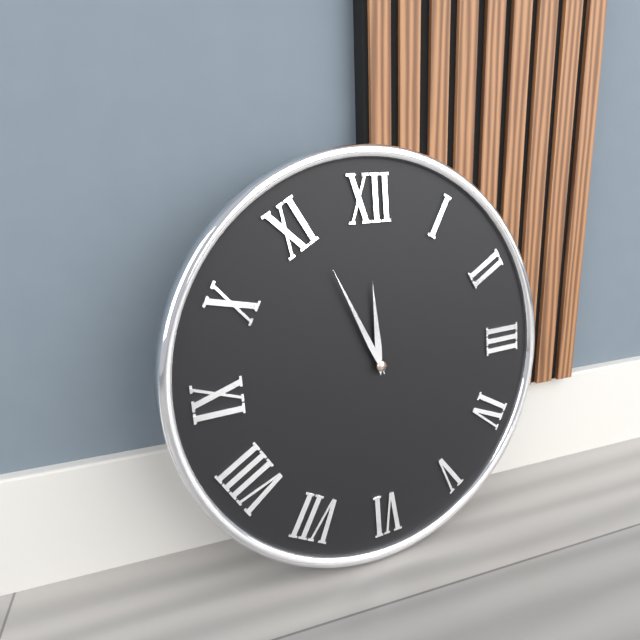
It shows 11h56
